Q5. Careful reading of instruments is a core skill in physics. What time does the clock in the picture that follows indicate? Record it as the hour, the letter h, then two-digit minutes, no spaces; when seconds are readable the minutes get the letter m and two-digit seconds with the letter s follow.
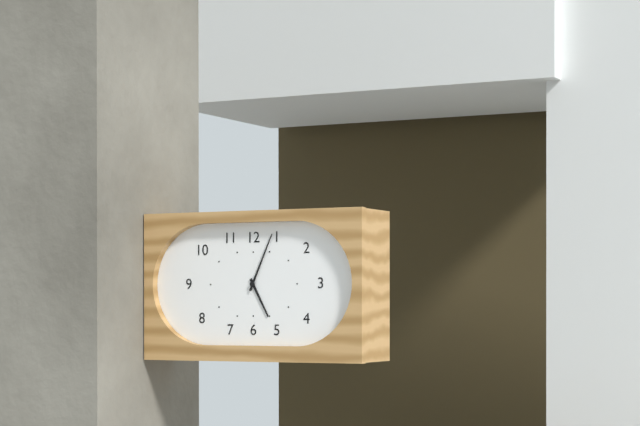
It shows 5h04
